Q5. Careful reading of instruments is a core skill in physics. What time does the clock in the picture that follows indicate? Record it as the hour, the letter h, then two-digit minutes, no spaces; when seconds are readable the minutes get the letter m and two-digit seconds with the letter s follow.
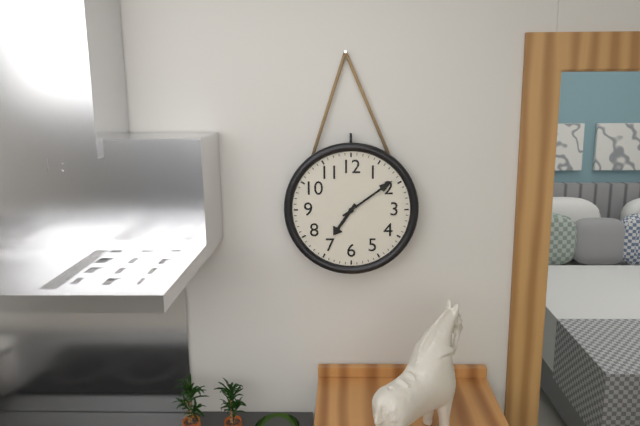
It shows 7h09
